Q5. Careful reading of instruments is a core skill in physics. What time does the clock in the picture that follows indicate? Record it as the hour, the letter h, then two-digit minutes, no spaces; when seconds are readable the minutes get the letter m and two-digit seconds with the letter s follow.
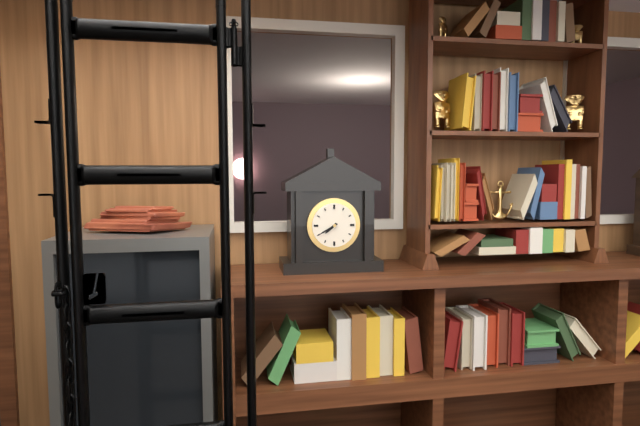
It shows 7h40
